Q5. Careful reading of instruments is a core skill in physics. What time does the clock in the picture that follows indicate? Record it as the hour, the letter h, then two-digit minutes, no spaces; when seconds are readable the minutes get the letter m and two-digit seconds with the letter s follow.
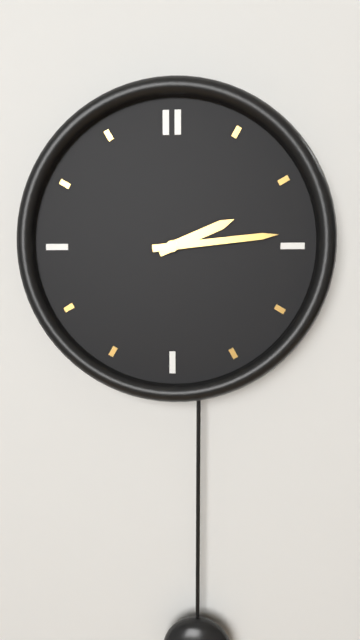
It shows 2h14
